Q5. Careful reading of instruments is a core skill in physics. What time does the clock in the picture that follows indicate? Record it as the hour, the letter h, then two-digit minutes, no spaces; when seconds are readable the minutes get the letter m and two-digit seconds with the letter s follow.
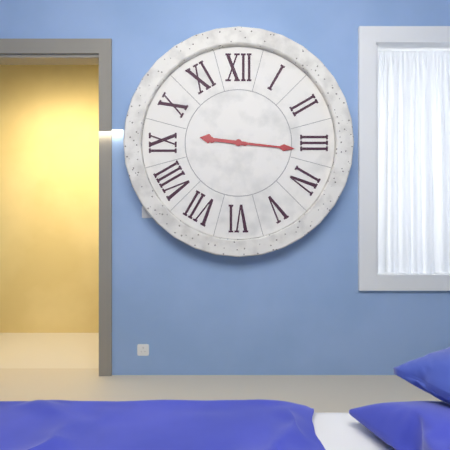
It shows 9h16
